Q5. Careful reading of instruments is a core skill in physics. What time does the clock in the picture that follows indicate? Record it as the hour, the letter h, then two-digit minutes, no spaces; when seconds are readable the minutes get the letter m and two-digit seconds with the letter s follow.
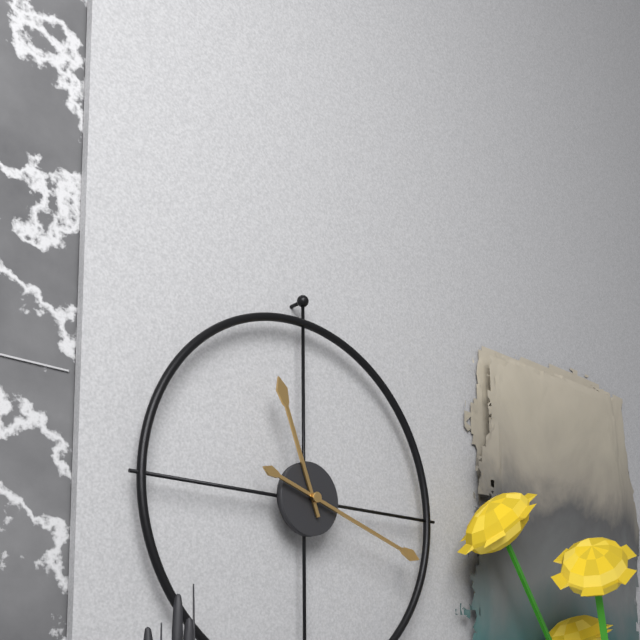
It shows 11h18
